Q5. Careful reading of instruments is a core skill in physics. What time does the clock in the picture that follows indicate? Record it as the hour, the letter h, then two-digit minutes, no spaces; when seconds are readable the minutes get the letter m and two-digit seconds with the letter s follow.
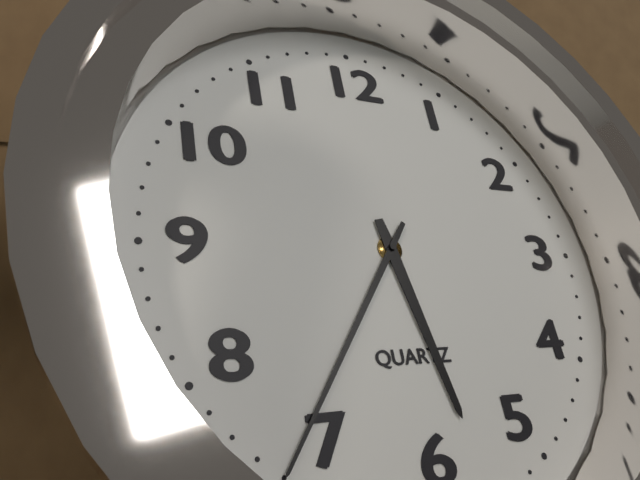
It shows 5h36
